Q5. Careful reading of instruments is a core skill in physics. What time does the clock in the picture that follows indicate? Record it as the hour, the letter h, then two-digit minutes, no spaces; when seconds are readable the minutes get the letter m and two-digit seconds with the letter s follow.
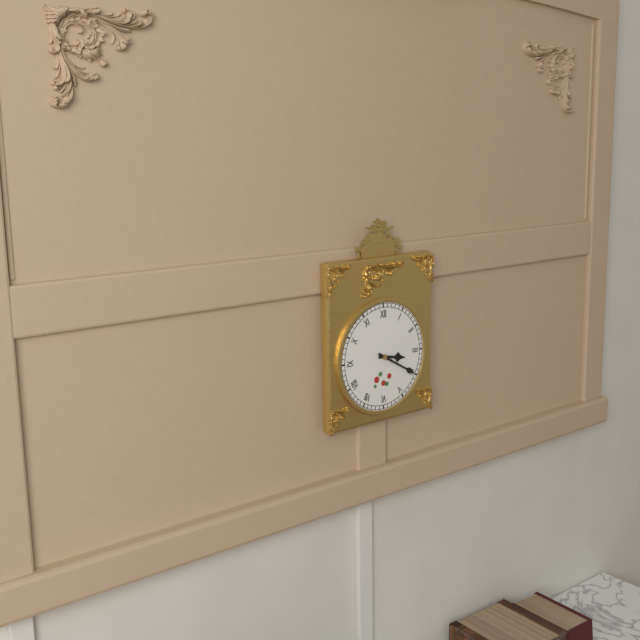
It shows 3h20
